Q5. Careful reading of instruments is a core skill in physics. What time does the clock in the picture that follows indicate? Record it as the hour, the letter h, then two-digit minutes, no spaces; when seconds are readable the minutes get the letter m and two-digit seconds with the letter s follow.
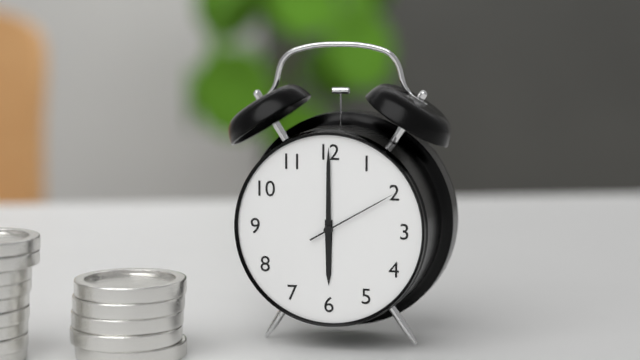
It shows 6h00m10s
